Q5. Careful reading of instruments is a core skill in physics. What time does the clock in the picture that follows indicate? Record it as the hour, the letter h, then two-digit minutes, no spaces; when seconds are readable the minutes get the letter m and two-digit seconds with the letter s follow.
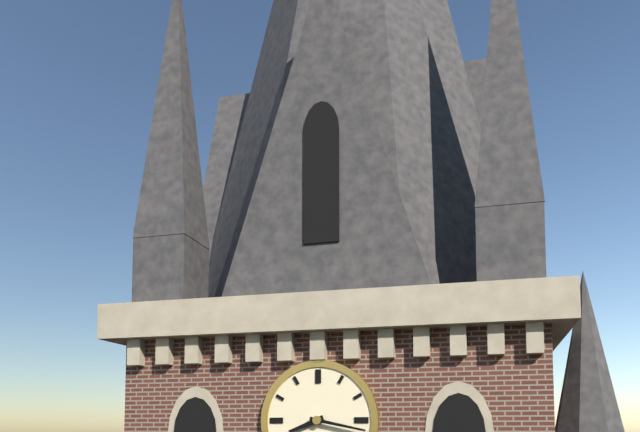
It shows 8h17
